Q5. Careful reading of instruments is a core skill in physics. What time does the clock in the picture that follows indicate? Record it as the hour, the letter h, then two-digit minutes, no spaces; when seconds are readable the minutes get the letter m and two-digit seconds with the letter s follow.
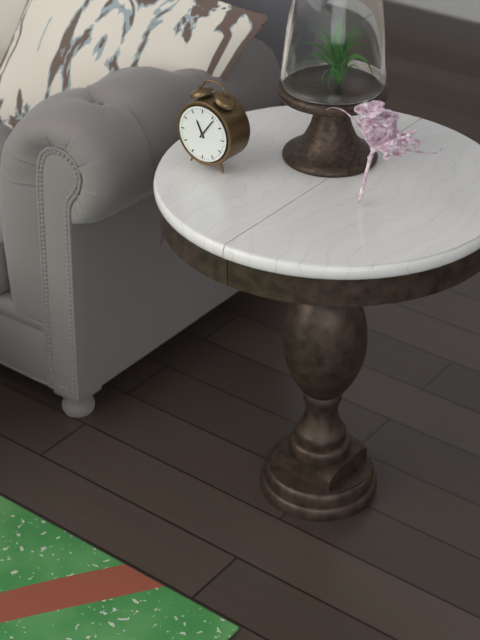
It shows 11h06
